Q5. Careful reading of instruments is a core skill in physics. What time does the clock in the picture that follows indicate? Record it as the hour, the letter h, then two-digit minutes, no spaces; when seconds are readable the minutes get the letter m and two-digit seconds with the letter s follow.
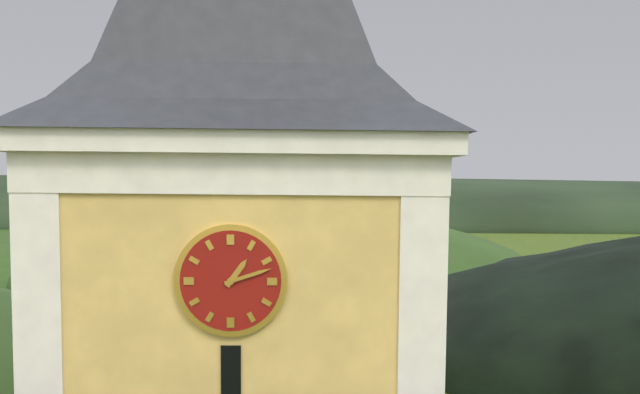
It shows 1h12
